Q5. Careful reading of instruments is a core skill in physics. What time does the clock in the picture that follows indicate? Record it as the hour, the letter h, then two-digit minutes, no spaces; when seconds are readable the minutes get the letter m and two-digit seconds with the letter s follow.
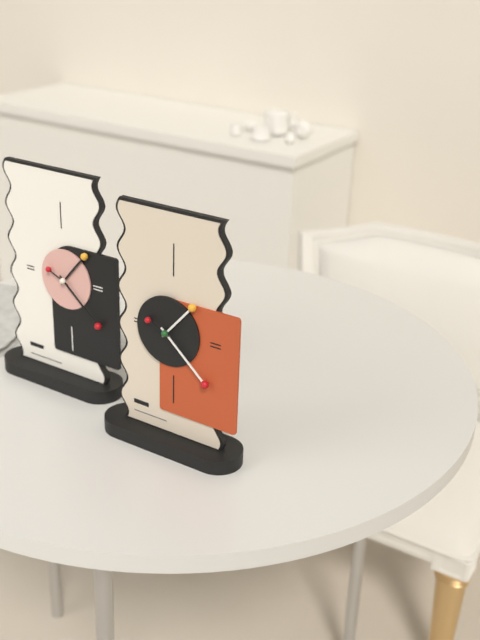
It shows 1h22
